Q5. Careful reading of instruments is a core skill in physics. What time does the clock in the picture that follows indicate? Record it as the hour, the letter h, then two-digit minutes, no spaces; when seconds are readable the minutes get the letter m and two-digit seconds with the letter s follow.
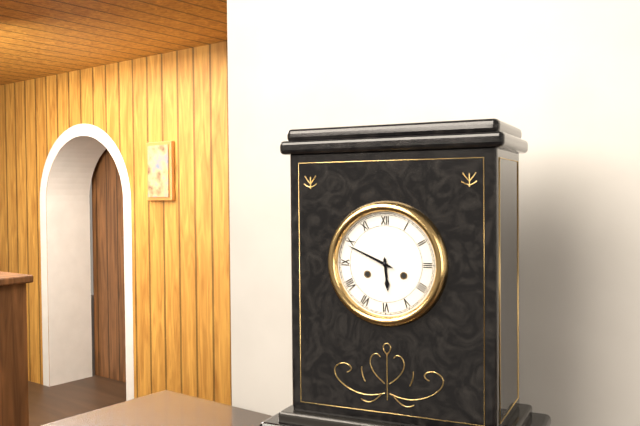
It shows 5h49
